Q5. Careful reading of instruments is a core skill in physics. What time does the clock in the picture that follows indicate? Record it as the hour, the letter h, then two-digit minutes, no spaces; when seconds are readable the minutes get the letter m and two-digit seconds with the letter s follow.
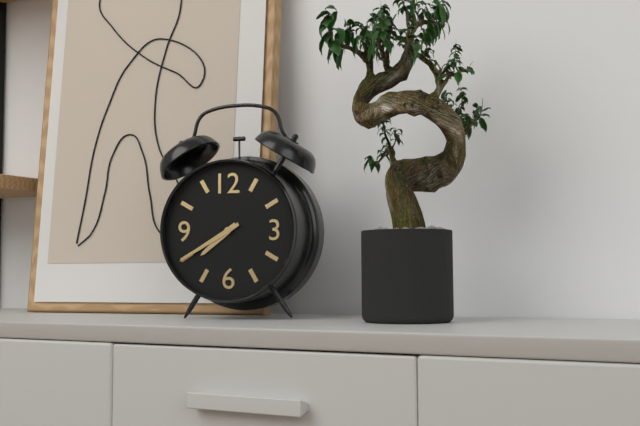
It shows 7h40
